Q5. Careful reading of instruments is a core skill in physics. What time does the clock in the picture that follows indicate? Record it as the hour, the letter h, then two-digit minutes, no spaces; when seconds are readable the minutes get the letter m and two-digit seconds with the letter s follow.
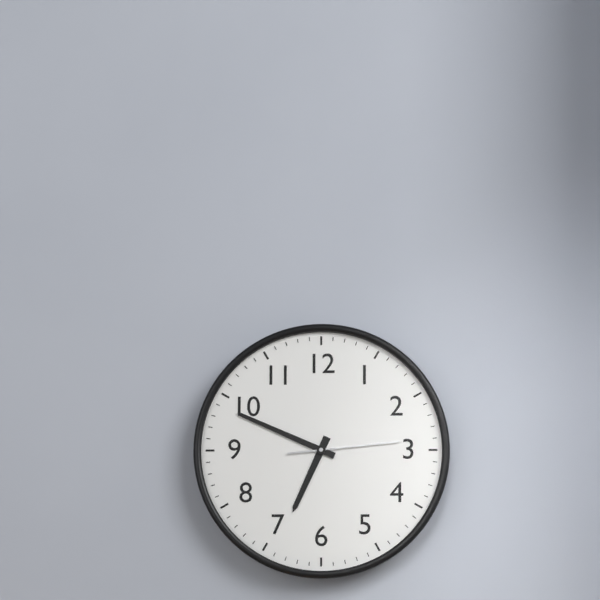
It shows 6h49m14s
